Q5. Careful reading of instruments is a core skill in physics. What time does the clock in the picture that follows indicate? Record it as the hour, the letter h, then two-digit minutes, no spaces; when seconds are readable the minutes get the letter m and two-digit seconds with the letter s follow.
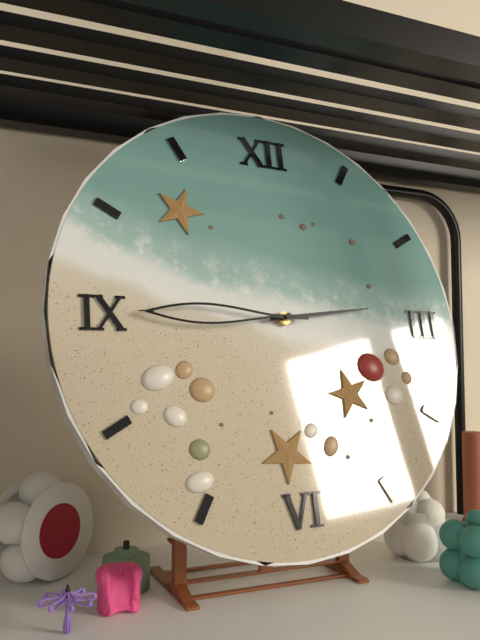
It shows 2h45
